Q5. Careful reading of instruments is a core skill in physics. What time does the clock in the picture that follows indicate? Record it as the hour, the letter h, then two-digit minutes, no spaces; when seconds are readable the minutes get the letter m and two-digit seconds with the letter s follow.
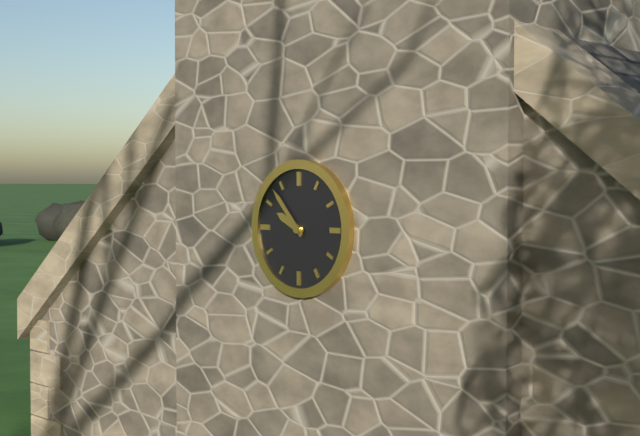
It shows 9h53
